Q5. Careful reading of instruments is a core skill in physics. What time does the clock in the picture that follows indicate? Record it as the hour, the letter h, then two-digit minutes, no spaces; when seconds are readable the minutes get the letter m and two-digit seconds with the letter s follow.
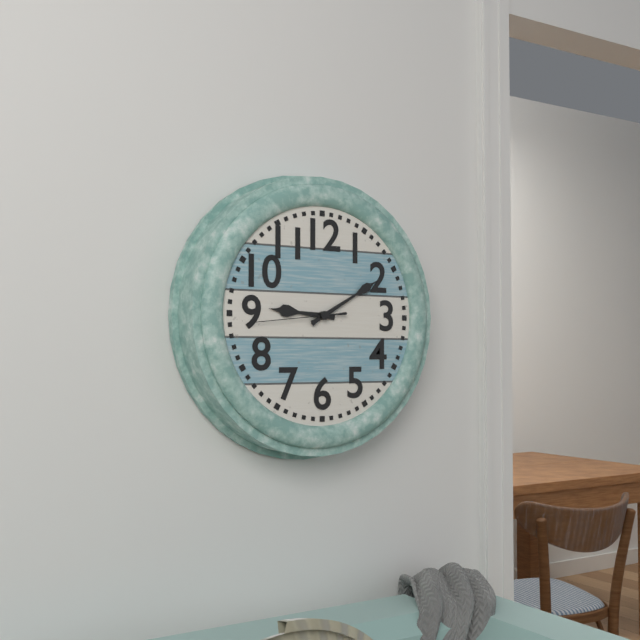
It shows 9h10m44s
